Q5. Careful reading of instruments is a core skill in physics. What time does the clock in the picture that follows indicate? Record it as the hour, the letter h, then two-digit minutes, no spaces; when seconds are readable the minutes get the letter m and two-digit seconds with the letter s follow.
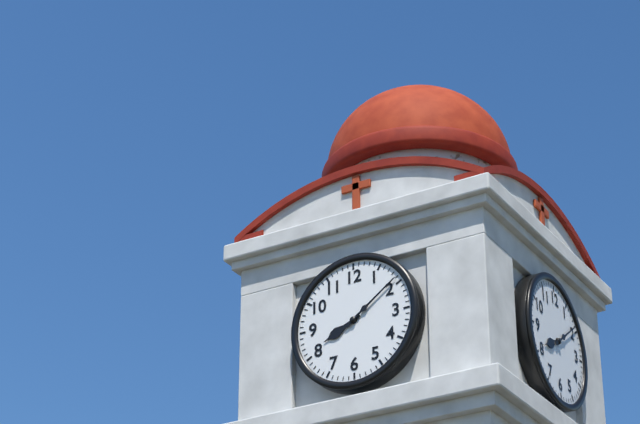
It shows 8h09
